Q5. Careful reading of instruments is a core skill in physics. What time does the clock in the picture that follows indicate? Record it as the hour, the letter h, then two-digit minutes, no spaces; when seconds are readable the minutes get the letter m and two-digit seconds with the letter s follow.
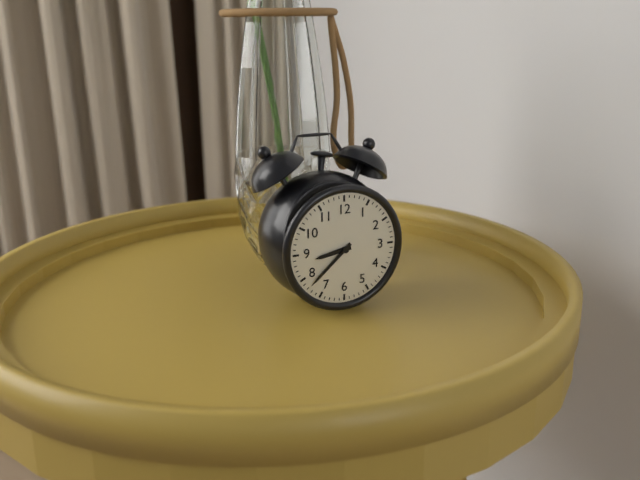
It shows 8h38
